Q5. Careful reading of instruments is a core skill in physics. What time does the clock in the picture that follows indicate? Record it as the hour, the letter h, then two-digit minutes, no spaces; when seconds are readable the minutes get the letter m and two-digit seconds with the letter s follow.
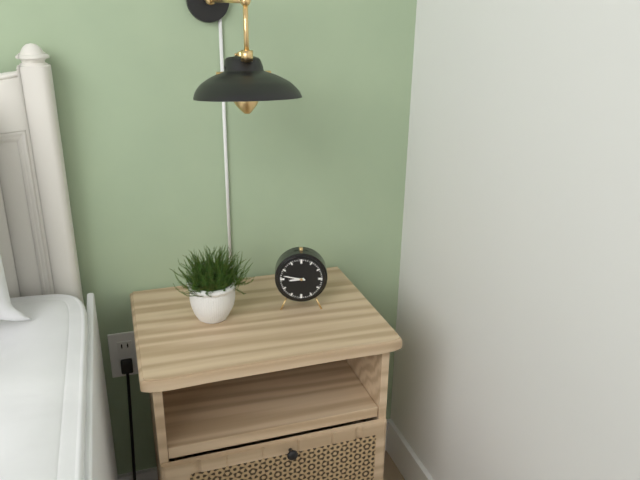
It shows 8h47
